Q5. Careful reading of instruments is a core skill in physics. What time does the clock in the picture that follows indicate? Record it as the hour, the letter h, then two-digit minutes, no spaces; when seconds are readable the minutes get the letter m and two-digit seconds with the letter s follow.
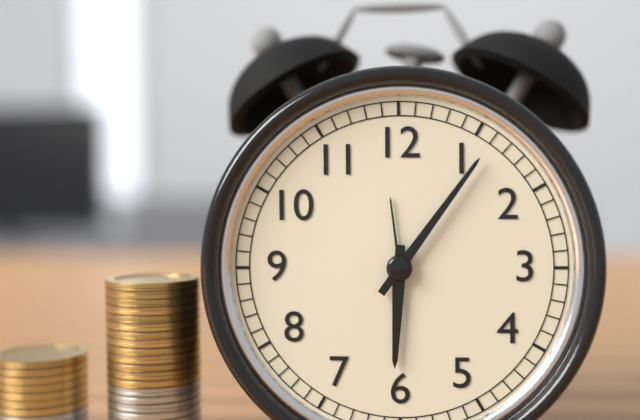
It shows 6h06
